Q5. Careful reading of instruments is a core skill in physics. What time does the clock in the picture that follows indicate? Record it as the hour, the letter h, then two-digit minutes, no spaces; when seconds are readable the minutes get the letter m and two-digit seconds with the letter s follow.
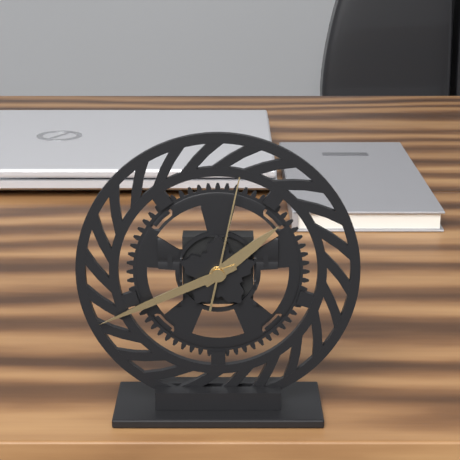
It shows 1h41m02s
